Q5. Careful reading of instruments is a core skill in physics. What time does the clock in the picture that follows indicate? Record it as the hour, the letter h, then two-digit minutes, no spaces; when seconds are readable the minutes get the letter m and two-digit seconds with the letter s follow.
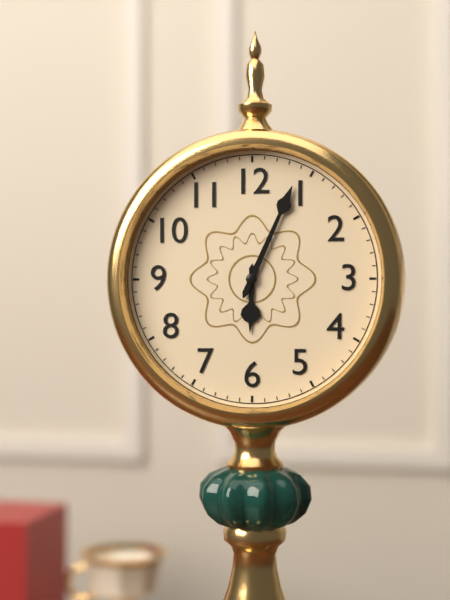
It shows 6h04
